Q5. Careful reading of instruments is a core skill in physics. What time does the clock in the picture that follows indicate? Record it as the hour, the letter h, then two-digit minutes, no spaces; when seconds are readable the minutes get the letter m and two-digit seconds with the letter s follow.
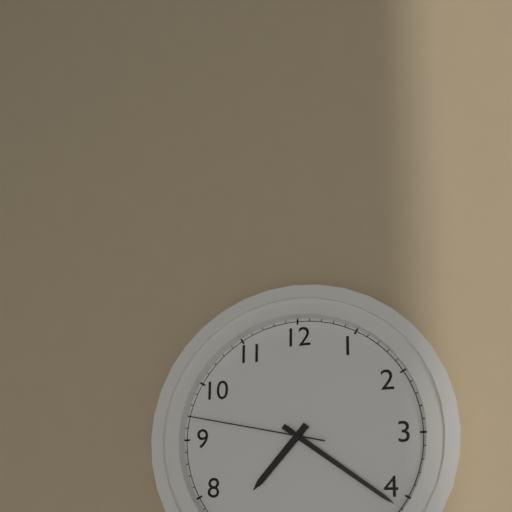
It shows 7h21m47s
